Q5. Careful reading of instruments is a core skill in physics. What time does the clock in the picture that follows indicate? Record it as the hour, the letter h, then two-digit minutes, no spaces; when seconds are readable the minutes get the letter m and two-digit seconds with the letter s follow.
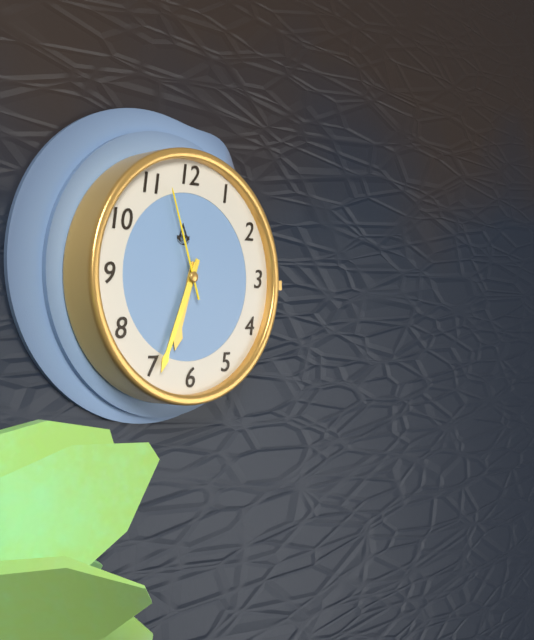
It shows 6h34m57s
